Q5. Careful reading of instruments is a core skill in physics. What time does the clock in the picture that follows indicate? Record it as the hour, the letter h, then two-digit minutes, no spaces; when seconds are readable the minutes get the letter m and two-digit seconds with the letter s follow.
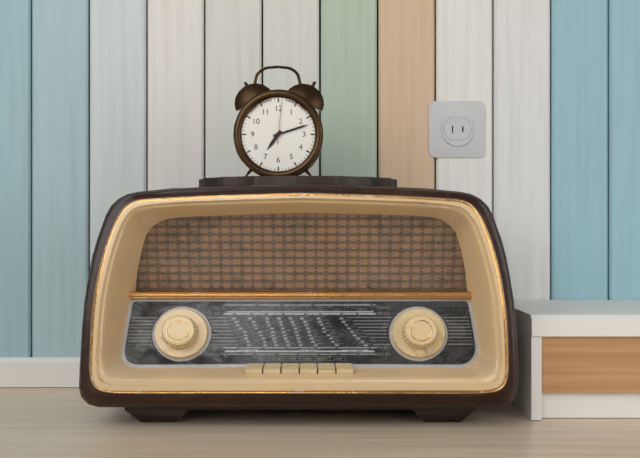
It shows 7h12
